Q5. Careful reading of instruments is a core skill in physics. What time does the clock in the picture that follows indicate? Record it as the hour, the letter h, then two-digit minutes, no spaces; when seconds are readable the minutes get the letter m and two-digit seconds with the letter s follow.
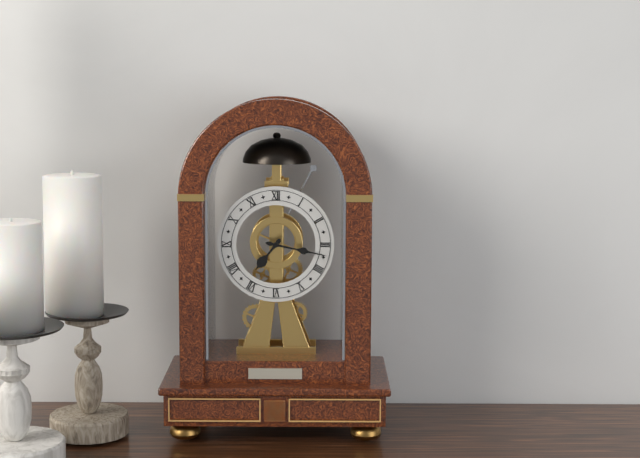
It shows 7h17
